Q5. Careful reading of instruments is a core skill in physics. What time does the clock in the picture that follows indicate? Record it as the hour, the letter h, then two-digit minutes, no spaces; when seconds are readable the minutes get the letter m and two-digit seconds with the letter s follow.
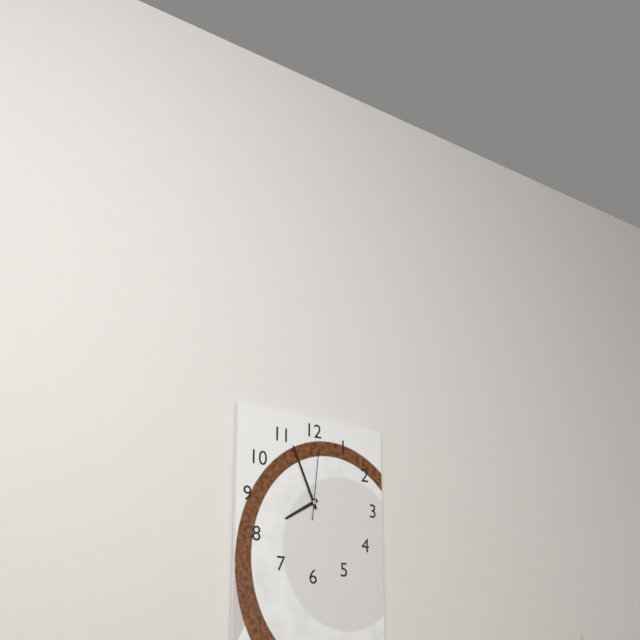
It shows 7h56m01s
